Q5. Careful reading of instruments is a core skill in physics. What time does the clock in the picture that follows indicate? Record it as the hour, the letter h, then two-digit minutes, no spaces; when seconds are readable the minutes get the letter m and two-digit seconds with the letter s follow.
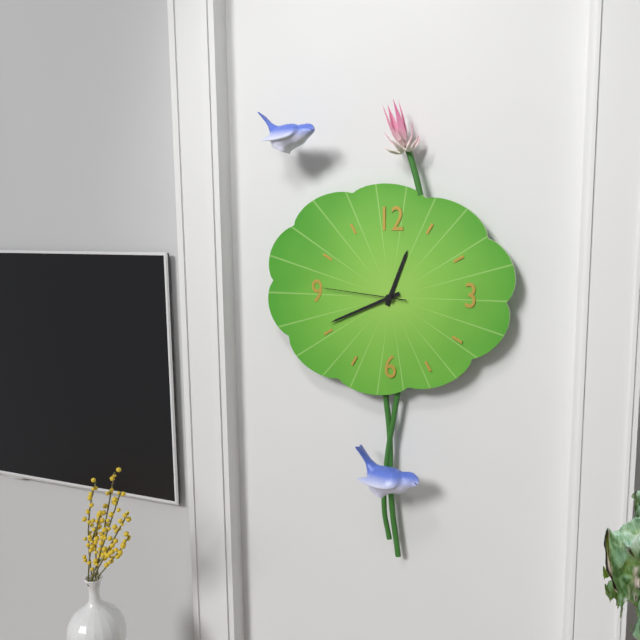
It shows 12h41m46s
